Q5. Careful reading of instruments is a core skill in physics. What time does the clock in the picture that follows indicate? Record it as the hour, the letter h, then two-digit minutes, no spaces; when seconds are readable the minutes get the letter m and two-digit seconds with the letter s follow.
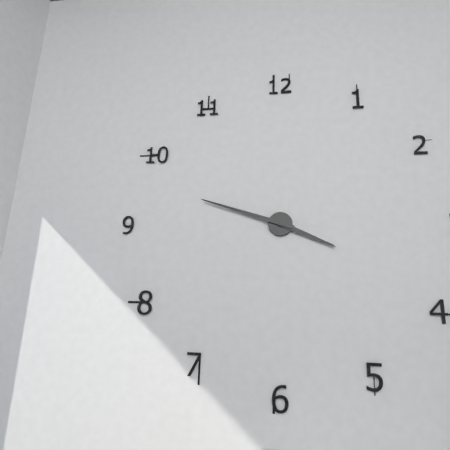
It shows 3h48
